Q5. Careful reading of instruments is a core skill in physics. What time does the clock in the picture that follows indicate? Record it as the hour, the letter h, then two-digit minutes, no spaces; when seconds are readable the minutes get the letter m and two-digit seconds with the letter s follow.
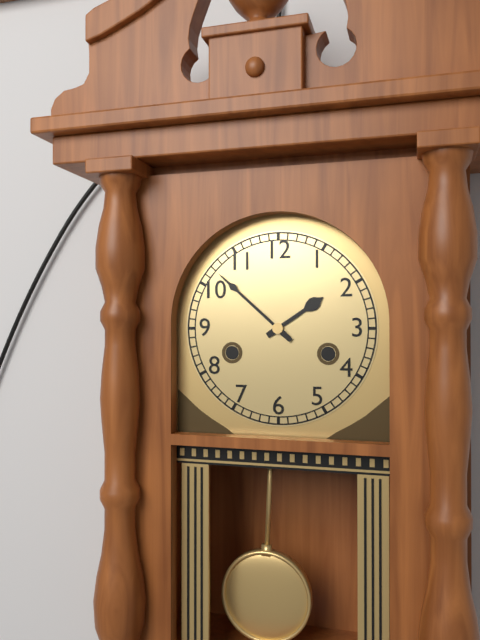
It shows 1h52
